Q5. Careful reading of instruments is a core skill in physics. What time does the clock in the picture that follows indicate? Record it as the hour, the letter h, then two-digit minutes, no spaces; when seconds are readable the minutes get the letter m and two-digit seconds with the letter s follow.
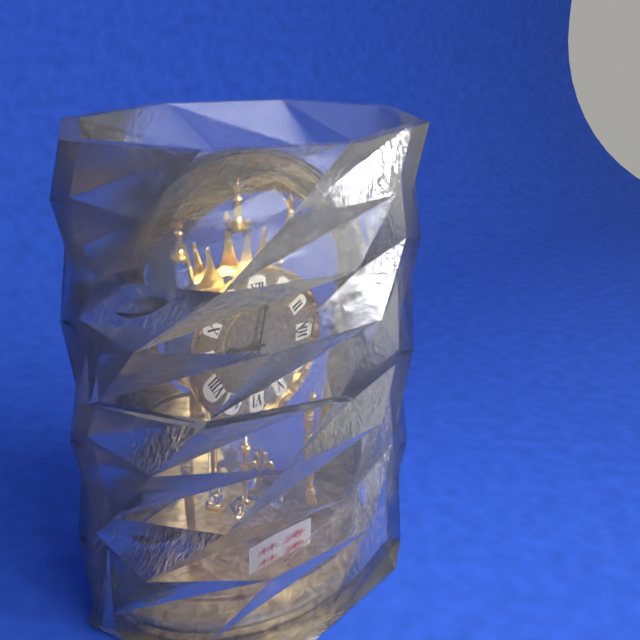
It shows 9h02
